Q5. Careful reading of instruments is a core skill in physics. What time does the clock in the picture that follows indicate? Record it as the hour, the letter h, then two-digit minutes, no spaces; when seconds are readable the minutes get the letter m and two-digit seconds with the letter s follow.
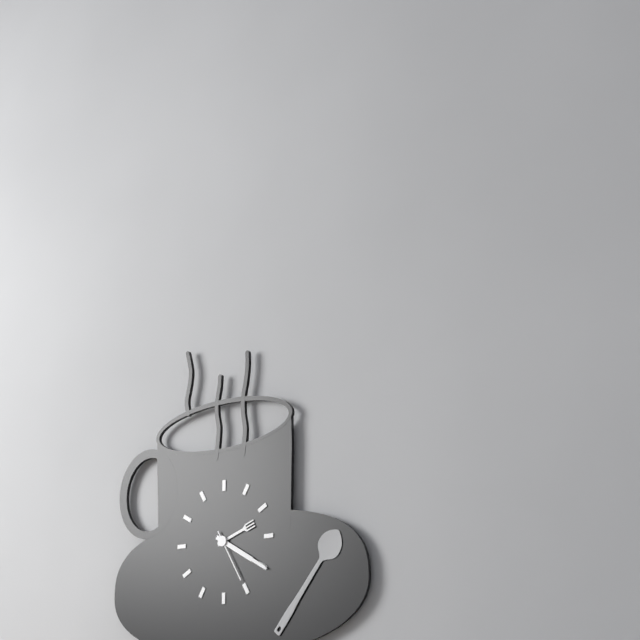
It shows 2h20m25s
